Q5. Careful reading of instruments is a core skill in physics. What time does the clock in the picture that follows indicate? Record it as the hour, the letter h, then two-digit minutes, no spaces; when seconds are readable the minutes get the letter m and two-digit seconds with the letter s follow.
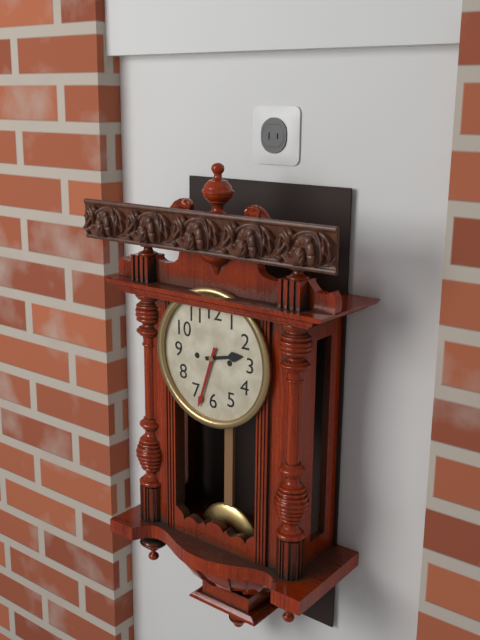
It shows 2h33
